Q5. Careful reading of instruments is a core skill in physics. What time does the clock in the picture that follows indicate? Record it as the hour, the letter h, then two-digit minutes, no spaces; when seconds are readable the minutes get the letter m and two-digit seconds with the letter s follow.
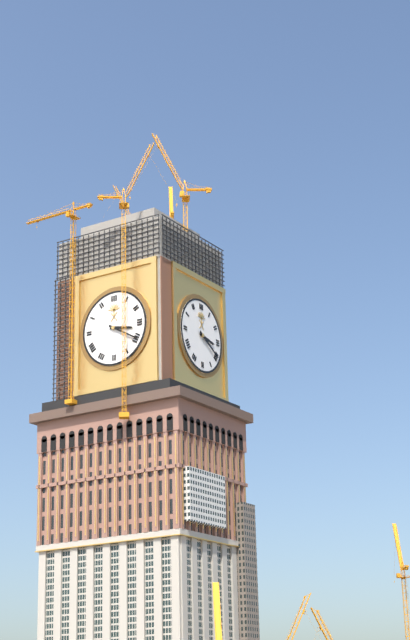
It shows 3h20
